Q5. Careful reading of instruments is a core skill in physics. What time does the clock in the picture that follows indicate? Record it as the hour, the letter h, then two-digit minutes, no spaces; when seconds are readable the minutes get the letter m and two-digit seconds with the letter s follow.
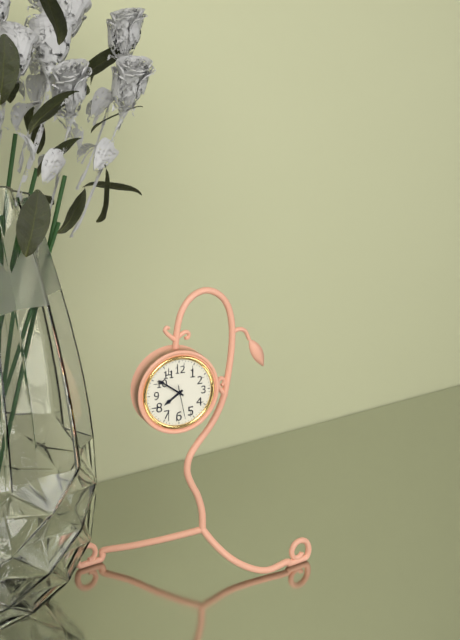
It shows 7h51
